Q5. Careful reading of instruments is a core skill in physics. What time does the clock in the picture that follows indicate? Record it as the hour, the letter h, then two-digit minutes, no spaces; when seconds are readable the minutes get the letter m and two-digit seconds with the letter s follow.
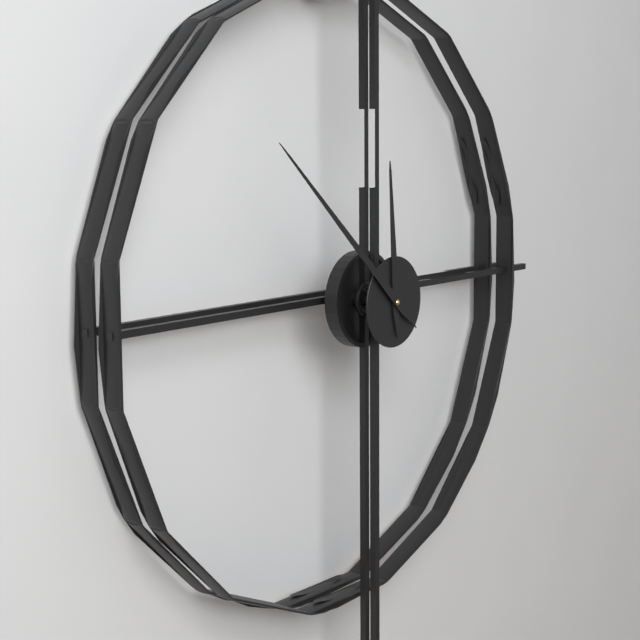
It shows 11h52
